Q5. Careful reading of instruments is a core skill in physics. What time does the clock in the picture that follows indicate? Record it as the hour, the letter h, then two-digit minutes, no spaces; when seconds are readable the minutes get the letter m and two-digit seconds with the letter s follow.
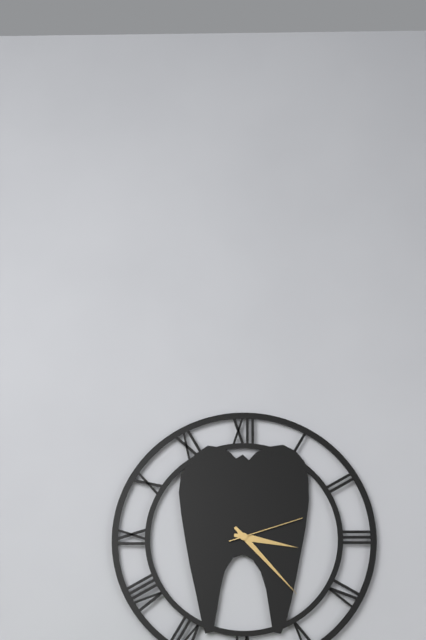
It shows 3h23m12s
